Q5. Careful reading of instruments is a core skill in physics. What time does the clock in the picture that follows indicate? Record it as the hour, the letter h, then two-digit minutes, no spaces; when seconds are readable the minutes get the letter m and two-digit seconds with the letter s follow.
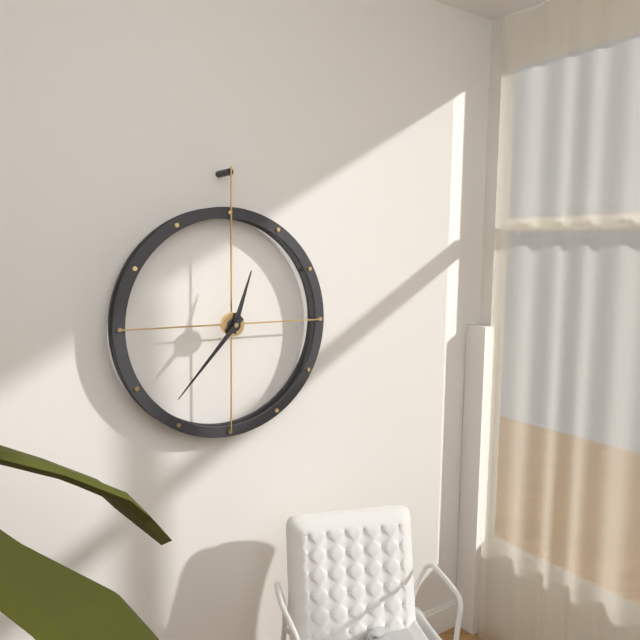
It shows 12h37
